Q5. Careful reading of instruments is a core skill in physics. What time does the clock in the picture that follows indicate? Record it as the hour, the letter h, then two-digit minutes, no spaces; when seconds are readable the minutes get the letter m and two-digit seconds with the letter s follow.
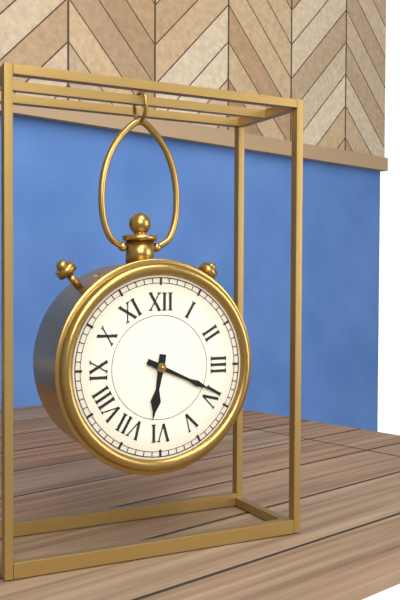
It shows 6h19
